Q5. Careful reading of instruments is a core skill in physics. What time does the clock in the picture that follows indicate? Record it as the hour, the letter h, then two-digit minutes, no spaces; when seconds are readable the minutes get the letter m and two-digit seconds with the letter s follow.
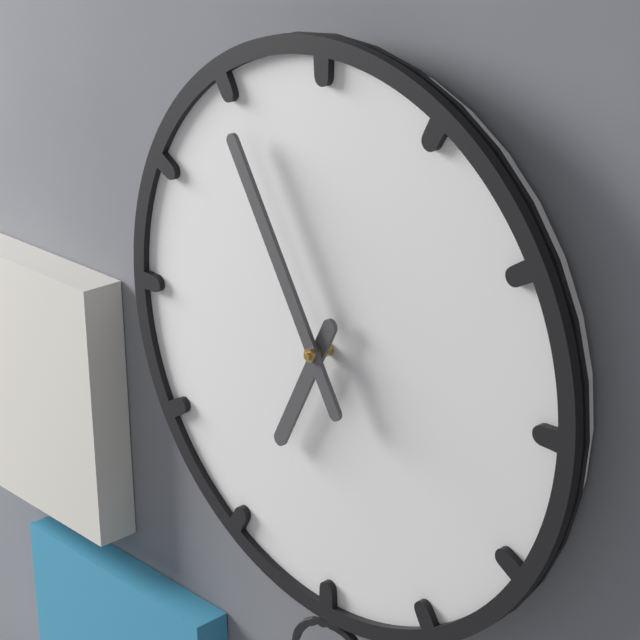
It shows 6h55
